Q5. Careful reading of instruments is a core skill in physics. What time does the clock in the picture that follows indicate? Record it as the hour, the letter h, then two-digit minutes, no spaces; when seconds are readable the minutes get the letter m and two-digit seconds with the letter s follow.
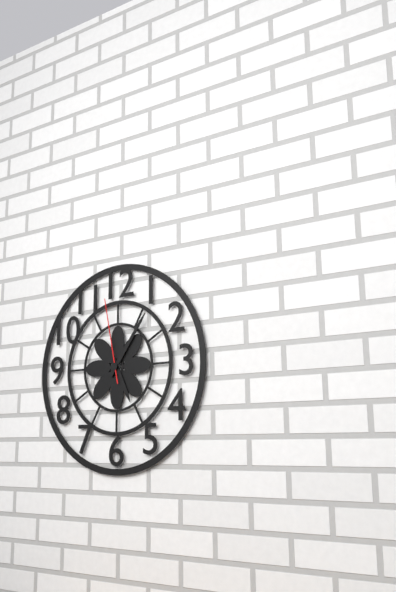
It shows 5h06m58s
